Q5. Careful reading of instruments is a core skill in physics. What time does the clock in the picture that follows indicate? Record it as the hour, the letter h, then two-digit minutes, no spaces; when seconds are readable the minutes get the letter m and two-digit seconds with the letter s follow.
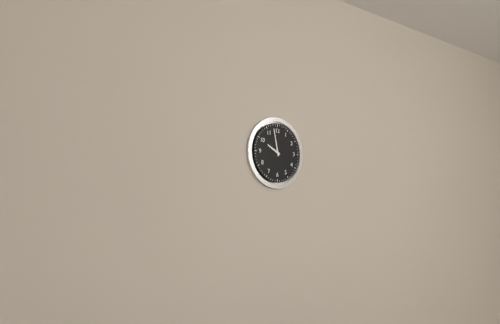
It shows 9h58
